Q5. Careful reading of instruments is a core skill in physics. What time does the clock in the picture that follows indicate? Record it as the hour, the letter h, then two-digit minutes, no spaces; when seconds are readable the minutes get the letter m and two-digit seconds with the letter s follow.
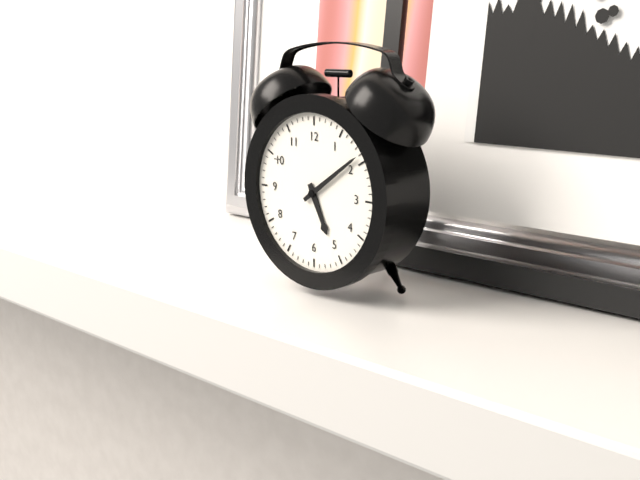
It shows 5h09
